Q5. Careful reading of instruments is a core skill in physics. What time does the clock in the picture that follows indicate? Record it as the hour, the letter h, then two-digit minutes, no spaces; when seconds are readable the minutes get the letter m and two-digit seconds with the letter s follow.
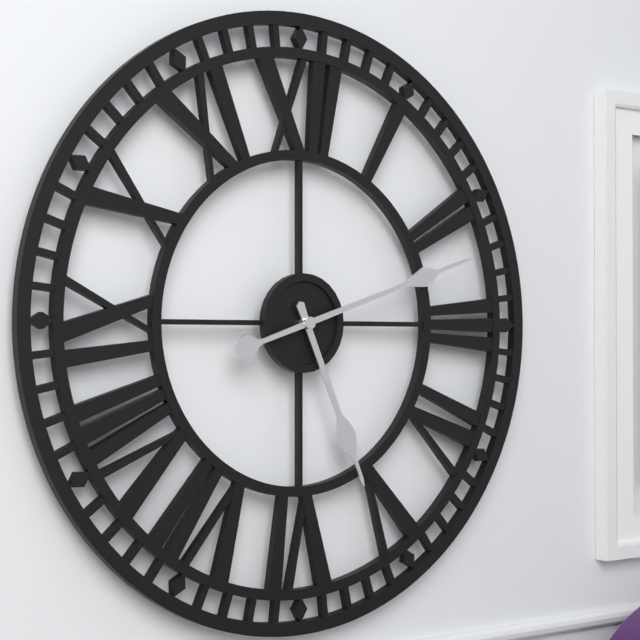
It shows 5h12
